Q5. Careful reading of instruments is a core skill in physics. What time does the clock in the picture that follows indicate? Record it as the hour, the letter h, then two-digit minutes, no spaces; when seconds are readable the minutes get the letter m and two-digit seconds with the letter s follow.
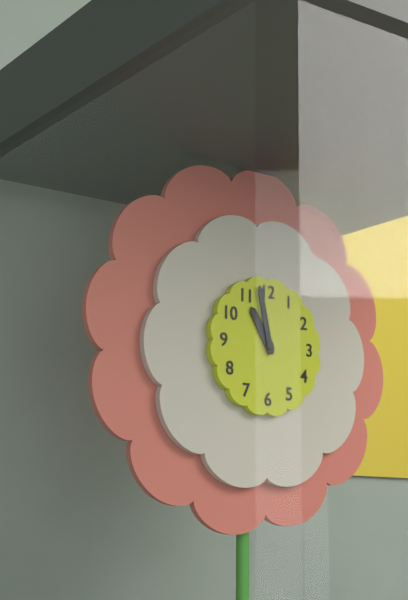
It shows 10h58
